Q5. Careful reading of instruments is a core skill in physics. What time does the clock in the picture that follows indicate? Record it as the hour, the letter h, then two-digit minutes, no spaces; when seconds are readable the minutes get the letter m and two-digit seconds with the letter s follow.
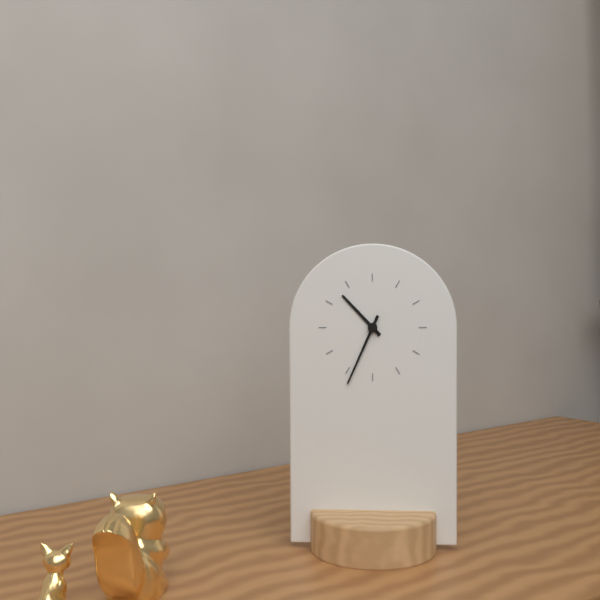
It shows 10h34
